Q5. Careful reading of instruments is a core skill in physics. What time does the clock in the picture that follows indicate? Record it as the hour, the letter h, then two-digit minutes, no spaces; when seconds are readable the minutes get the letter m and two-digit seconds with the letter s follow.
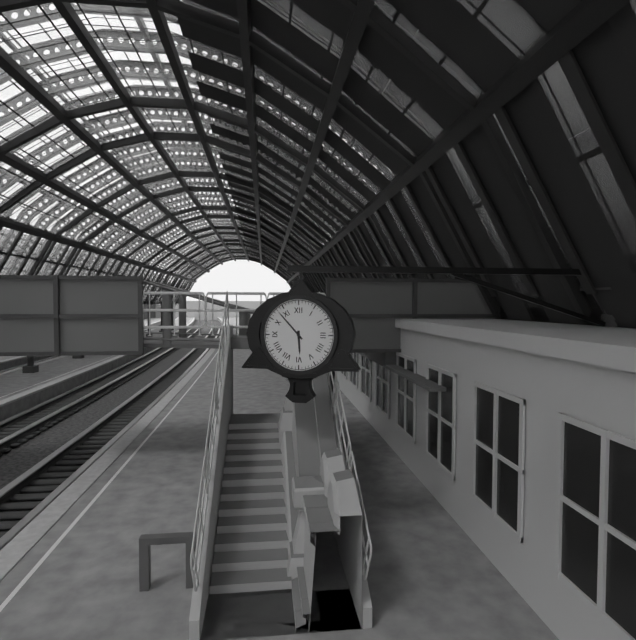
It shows 5h53
